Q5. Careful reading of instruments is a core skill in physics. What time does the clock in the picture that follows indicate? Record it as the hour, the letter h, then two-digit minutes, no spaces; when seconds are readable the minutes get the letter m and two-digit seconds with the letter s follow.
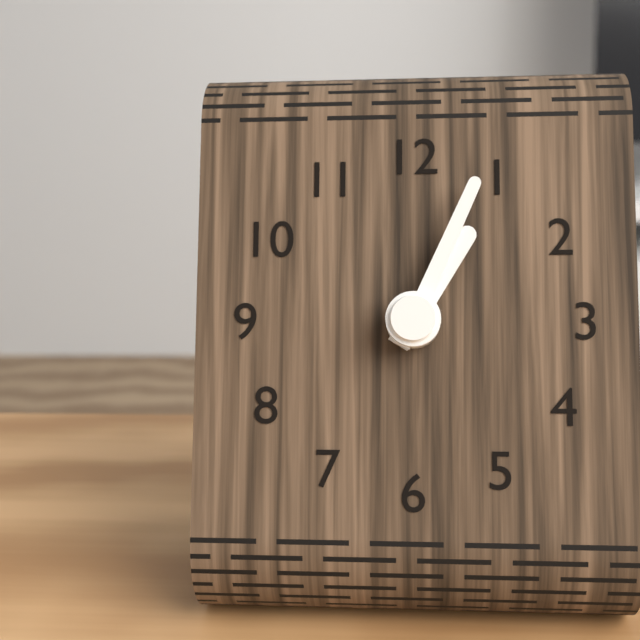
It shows 1h04
